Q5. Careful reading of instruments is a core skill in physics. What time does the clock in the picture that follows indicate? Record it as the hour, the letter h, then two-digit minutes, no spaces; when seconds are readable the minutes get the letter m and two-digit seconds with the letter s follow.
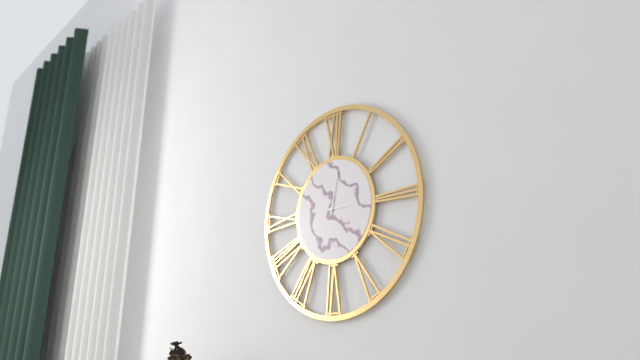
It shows 3h02
